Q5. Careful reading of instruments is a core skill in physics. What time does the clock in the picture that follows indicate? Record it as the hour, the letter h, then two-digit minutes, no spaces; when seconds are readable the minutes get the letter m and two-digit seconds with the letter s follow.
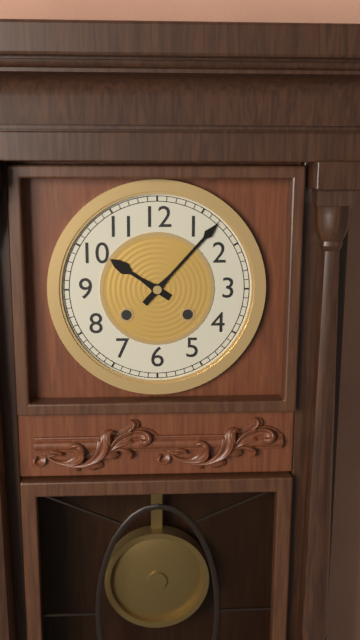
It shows 10h07
